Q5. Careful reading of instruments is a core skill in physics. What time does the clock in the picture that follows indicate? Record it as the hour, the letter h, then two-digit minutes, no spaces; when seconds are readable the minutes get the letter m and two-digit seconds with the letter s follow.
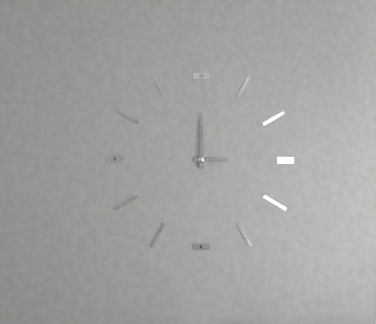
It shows 3h00
